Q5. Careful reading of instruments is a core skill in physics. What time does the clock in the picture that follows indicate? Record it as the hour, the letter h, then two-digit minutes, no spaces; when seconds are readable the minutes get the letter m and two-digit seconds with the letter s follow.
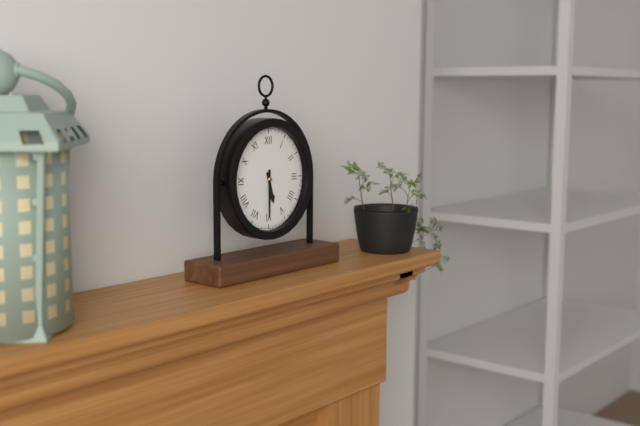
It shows 5h30
